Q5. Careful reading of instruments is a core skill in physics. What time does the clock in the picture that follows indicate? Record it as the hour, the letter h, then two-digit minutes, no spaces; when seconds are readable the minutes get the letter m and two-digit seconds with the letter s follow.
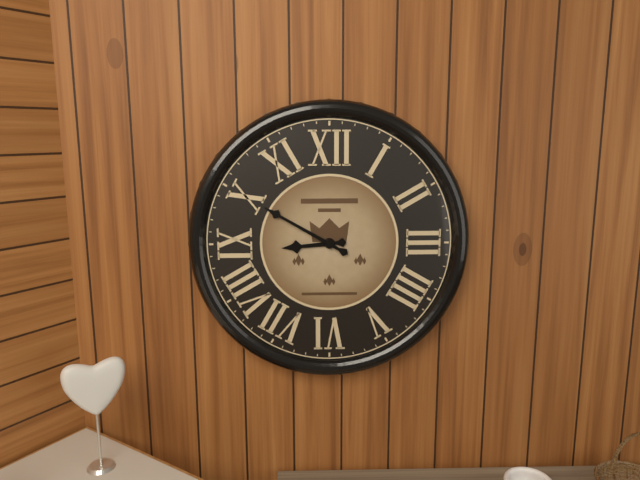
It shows 8h50
